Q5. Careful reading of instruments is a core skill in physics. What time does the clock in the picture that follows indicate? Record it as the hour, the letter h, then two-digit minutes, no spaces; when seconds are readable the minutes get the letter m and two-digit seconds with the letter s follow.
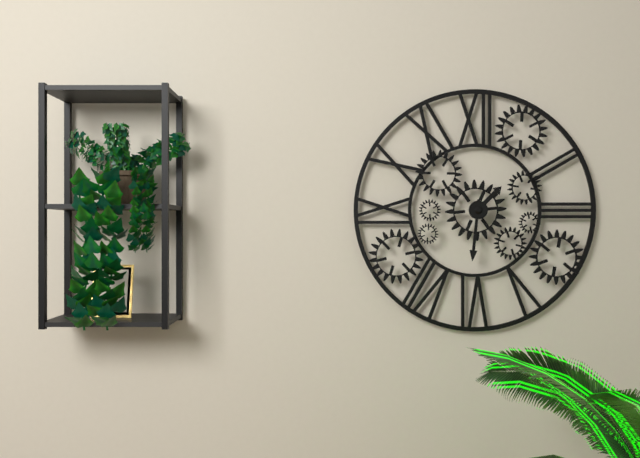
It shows 1h31
